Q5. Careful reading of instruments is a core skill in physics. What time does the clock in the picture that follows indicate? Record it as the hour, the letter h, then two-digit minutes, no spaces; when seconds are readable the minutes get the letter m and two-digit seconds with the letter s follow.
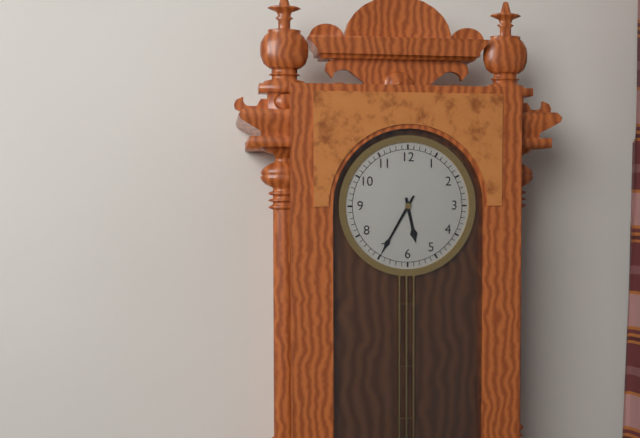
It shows 5h35
